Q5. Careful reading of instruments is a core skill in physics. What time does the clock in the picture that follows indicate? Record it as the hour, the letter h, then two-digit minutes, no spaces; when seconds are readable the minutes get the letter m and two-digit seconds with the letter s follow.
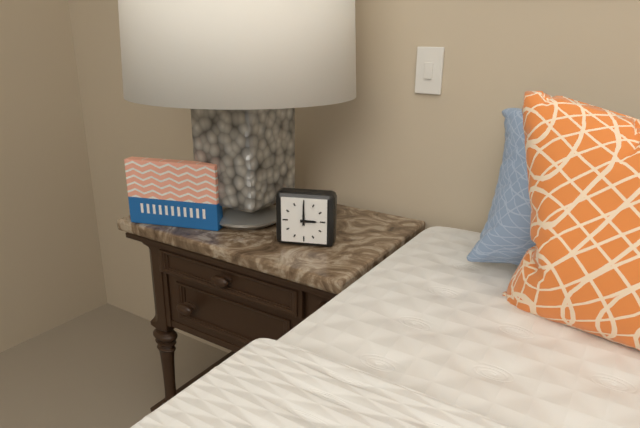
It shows 3h00
